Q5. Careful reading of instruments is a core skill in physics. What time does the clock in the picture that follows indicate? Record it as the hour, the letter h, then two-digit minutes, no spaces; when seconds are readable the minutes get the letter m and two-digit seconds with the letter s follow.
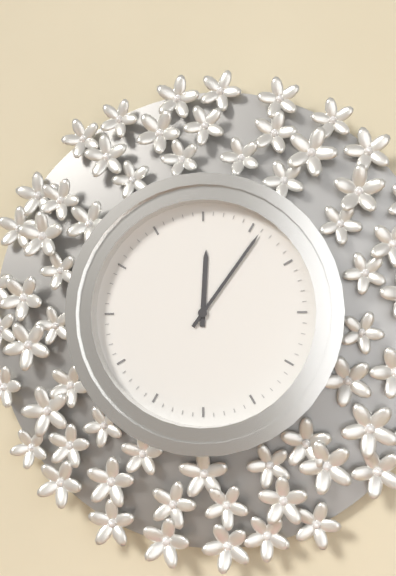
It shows 12h06
